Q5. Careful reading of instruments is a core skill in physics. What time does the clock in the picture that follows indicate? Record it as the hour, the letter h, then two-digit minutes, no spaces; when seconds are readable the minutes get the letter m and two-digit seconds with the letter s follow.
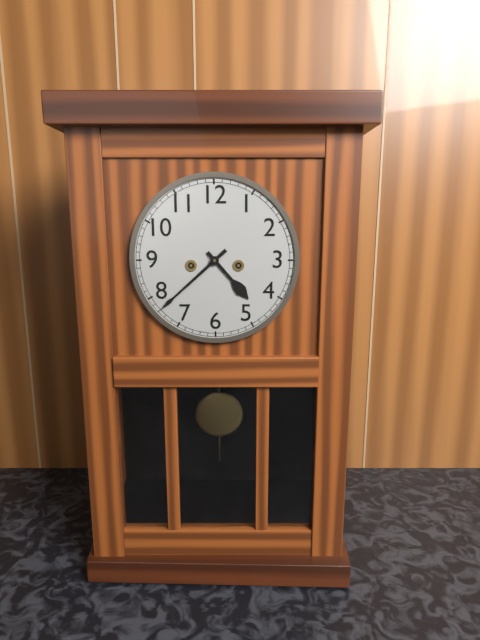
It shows 4h38
